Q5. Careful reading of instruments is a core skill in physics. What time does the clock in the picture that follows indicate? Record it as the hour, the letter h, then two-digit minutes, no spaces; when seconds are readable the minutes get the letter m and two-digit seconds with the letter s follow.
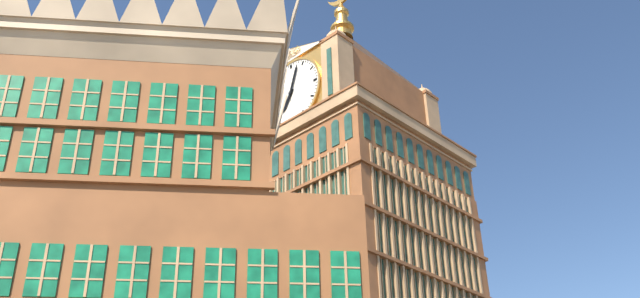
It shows 7h03
